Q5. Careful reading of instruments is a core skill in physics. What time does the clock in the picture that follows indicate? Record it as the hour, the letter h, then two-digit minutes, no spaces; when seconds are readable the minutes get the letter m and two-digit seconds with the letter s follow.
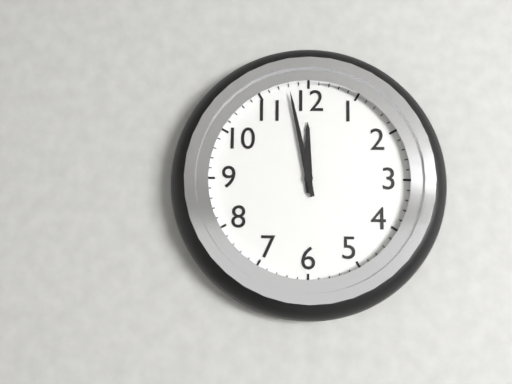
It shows 11h58
